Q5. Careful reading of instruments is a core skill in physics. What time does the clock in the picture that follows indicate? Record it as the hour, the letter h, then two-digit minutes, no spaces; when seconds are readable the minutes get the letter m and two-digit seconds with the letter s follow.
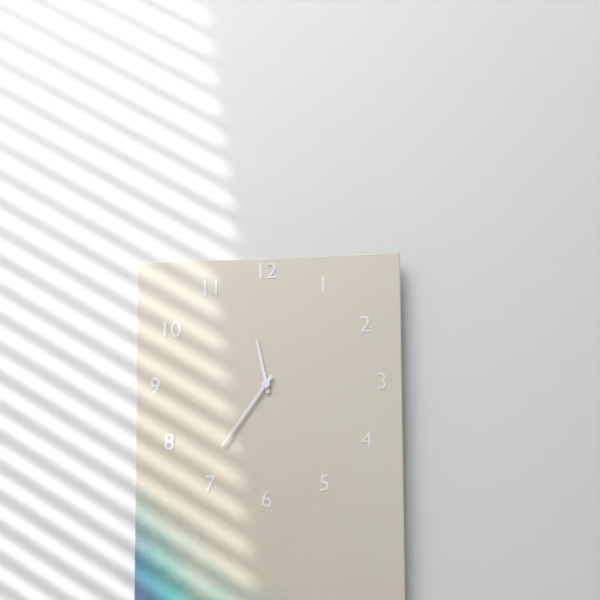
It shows 11h36
